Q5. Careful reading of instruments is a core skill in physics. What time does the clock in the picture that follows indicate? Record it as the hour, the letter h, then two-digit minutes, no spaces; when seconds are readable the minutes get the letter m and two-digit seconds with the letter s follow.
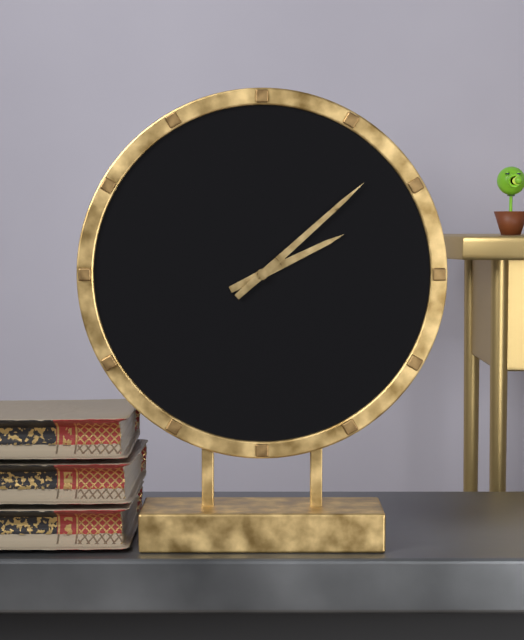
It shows 2h08
